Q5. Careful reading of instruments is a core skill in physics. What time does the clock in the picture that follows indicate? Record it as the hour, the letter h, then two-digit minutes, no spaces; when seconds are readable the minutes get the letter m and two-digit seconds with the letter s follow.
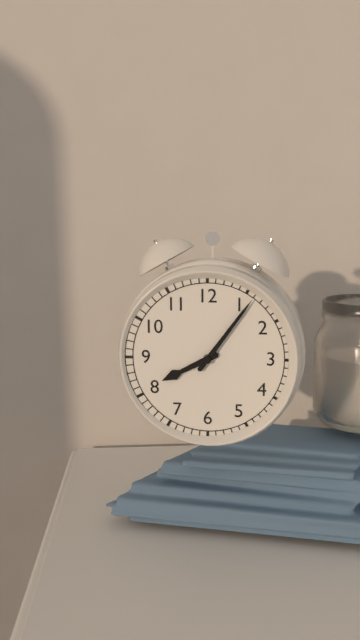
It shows 8h06
